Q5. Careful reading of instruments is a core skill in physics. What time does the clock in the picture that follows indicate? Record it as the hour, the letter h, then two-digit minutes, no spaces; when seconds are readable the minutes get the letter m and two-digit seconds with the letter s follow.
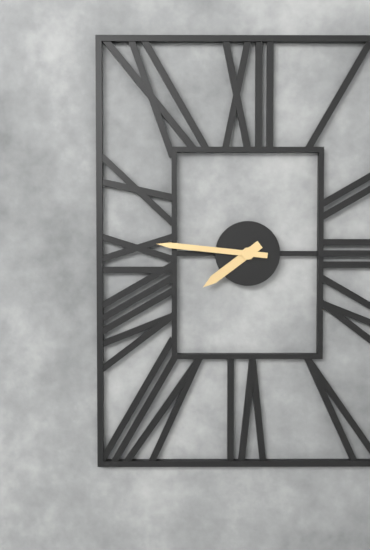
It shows 7h46
